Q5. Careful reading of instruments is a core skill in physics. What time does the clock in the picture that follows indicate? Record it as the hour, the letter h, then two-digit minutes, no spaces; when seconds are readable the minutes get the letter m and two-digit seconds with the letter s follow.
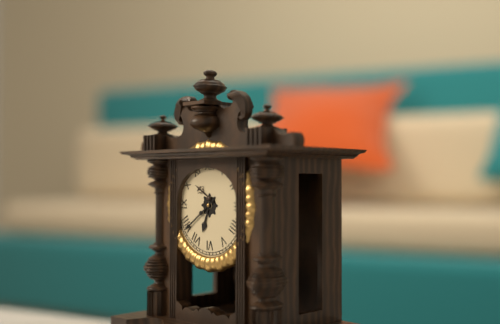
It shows 6h39
